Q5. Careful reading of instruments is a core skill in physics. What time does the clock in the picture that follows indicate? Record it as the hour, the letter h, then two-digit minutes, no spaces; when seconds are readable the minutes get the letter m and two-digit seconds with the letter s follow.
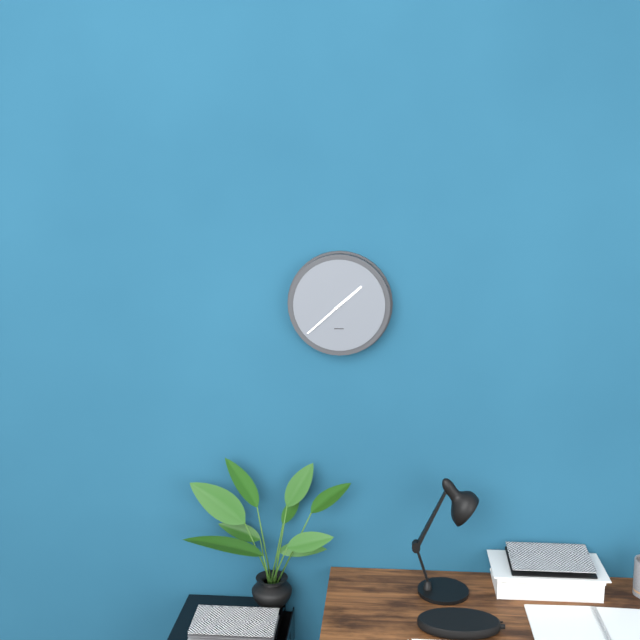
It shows 1h38
